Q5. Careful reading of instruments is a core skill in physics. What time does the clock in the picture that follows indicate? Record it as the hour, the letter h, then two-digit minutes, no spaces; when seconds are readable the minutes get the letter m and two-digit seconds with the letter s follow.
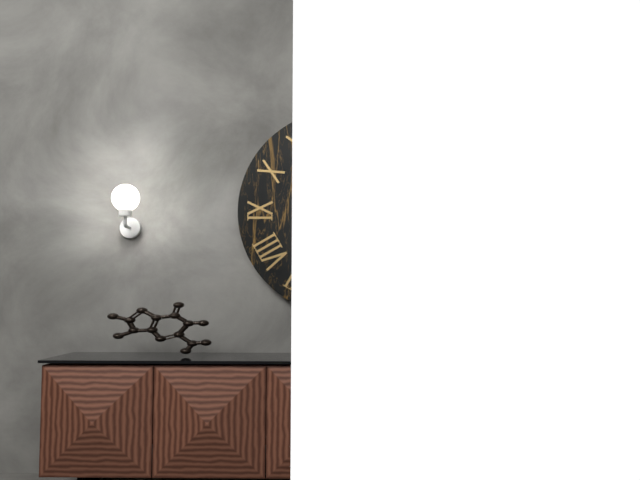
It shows 3h22
